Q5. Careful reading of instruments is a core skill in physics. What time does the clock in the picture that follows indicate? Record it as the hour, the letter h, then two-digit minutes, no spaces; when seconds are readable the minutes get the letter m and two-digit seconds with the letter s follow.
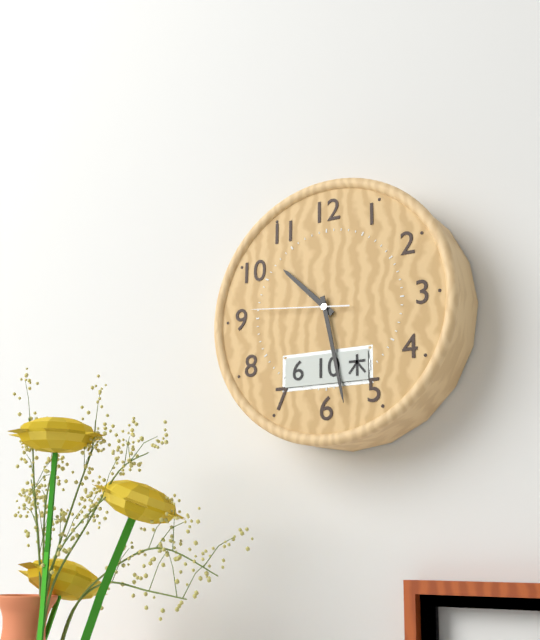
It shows 10h28m46s
